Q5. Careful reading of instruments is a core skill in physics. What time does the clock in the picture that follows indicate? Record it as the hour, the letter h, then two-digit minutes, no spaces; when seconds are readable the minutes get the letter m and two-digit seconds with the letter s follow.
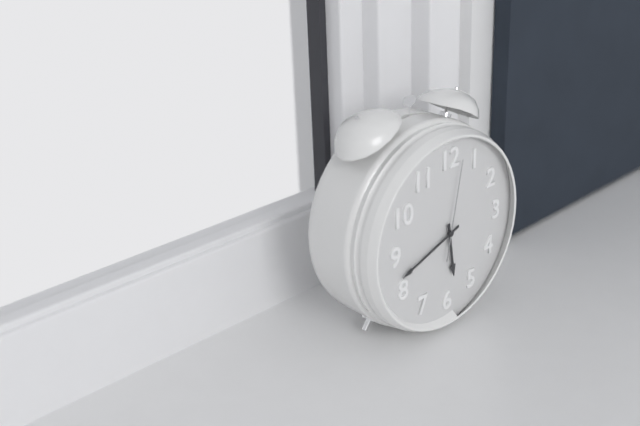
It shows 5h42m02s
